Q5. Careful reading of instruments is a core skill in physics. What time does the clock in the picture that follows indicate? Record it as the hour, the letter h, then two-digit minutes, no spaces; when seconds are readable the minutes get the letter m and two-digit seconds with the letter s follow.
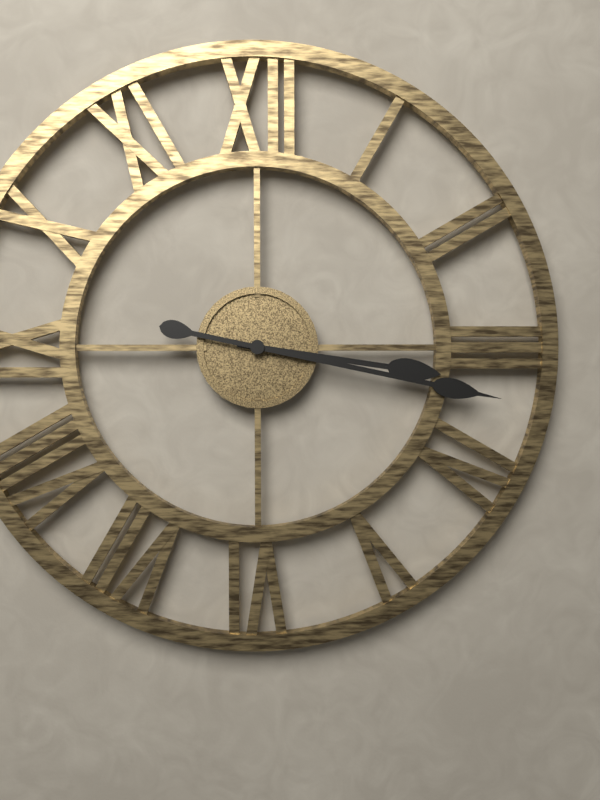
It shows 3h17
